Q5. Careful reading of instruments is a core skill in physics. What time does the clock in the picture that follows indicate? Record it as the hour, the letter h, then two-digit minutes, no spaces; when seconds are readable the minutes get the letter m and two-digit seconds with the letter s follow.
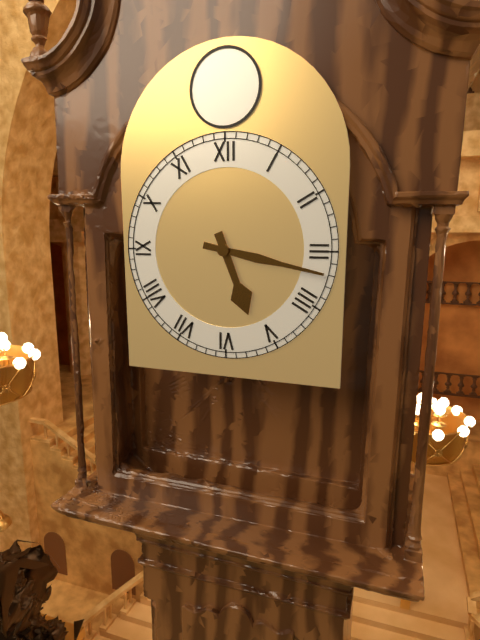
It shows 5h17
